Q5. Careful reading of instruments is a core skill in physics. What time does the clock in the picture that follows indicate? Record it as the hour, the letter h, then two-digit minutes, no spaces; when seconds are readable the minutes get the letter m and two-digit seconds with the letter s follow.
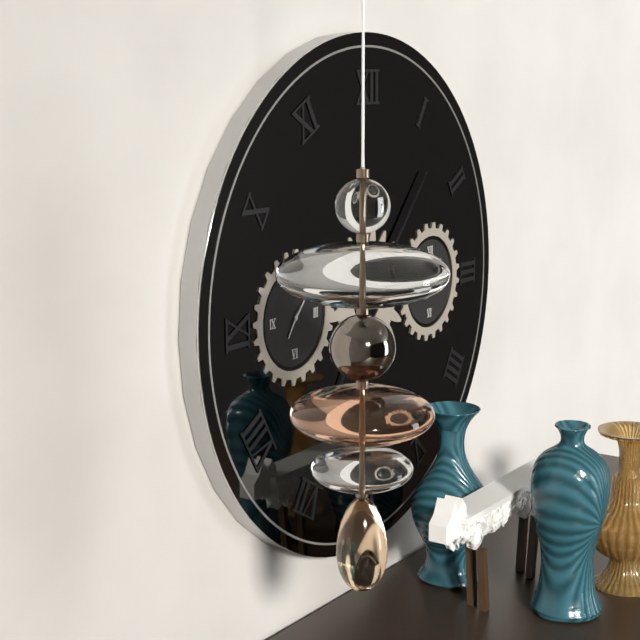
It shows 7h07
